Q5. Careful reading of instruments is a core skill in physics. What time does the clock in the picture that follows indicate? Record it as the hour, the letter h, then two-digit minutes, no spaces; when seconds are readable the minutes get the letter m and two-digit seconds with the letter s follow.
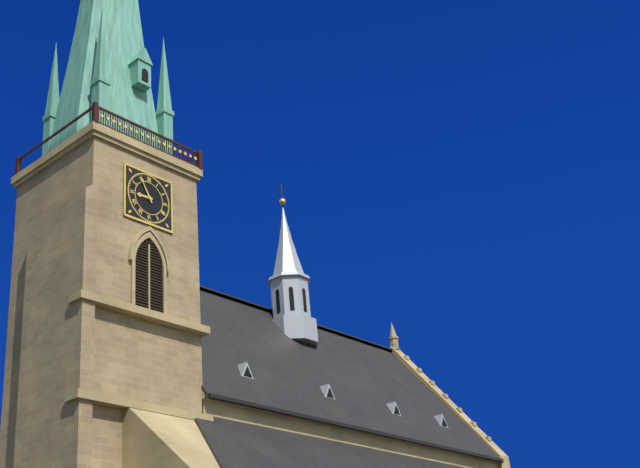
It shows 8h55
